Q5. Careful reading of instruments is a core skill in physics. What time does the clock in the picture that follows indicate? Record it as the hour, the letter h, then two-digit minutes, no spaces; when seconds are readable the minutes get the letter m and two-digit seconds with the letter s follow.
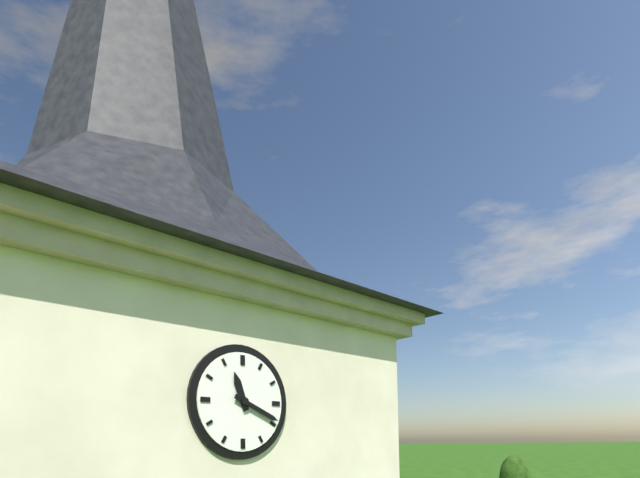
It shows 11h19
